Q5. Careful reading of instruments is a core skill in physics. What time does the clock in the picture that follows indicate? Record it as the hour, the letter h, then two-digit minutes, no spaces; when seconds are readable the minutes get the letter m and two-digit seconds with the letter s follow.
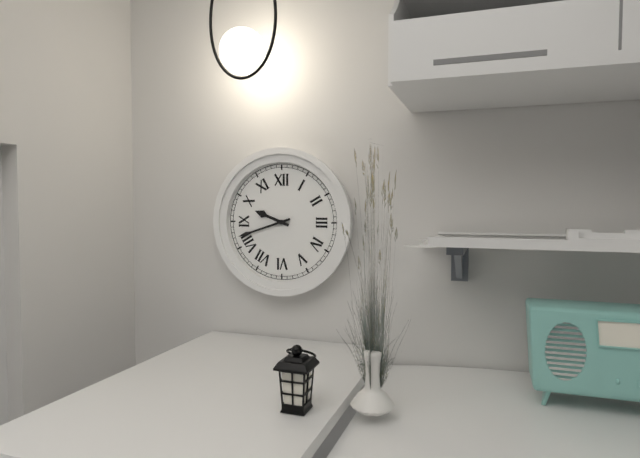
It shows 9h42
